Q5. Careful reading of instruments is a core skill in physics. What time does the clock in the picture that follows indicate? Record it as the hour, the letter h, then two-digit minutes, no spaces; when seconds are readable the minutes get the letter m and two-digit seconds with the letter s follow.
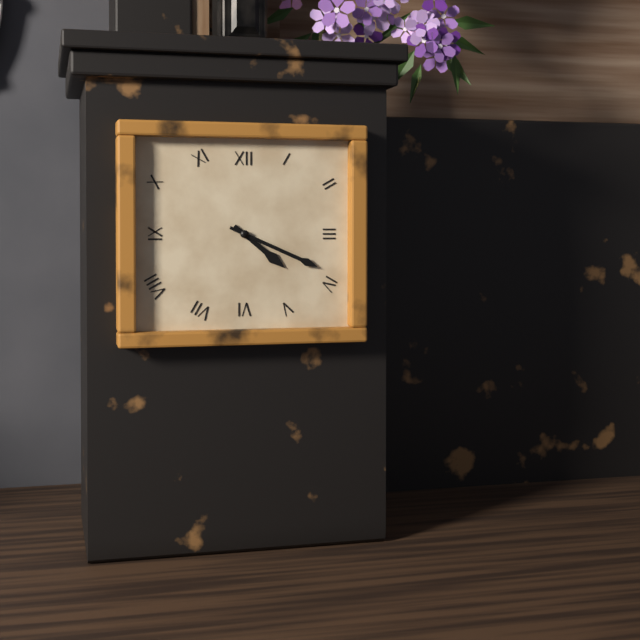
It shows 4h19
